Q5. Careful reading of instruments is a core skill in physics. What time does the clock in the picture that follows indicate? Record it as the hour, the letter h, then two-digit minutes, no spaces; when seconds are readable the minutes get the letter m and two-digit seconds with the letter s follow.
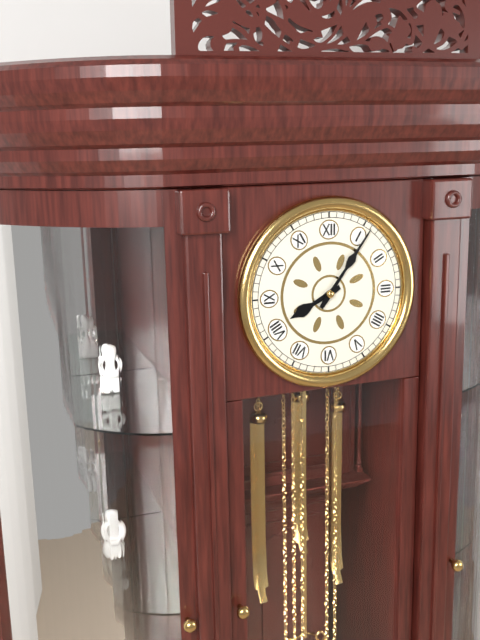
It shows 8h06
